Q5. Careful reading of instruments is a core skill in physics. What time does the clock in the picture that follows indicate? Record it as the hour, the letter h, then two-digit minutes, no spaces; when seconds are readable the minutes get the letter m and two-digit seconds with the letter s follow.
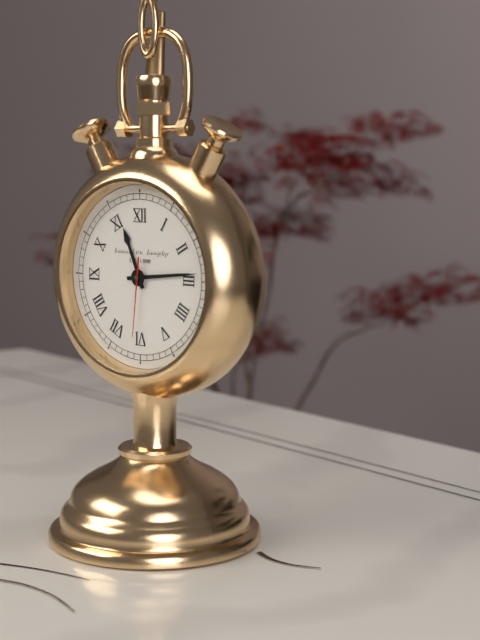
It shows 11h14m31s
